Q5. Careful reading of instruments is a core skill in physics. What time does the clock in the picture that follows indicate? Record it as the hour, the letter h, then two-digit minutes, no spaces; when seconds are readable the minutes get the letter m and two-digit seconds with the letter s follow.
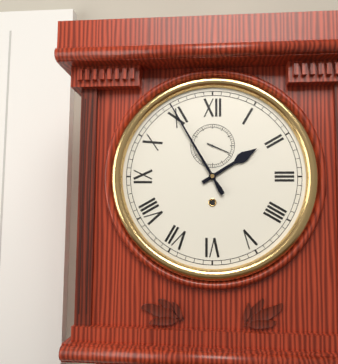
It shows 1h55
